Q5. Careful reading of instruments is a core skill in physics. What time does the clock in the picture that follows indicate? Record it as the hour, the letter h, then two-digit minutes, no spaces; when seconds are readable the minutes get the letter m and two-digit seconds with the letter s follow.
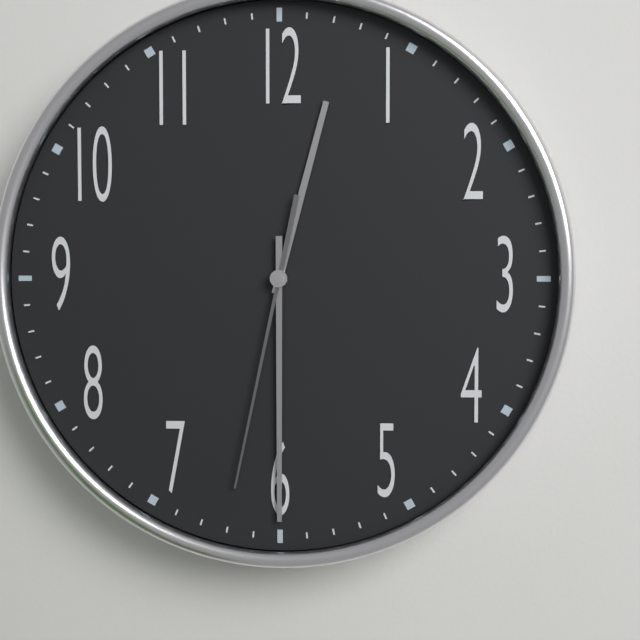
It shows 12h30m32s
